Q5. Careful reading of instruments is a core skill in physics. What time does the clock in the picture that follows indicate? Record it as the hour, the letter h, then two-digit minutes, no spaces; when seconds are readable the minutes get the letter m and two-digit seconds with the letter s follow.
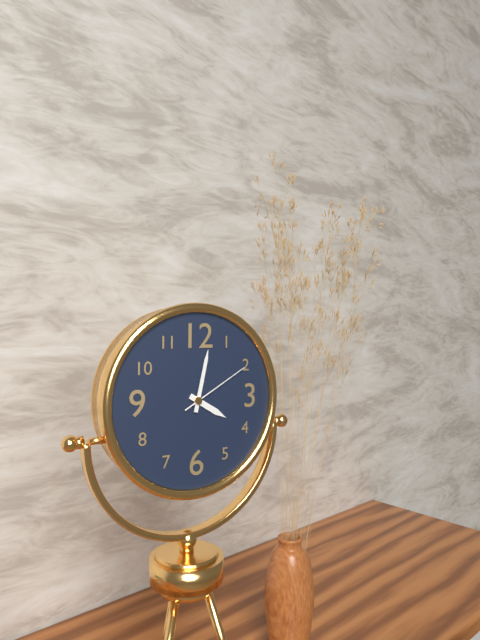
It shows 4h02m10s
